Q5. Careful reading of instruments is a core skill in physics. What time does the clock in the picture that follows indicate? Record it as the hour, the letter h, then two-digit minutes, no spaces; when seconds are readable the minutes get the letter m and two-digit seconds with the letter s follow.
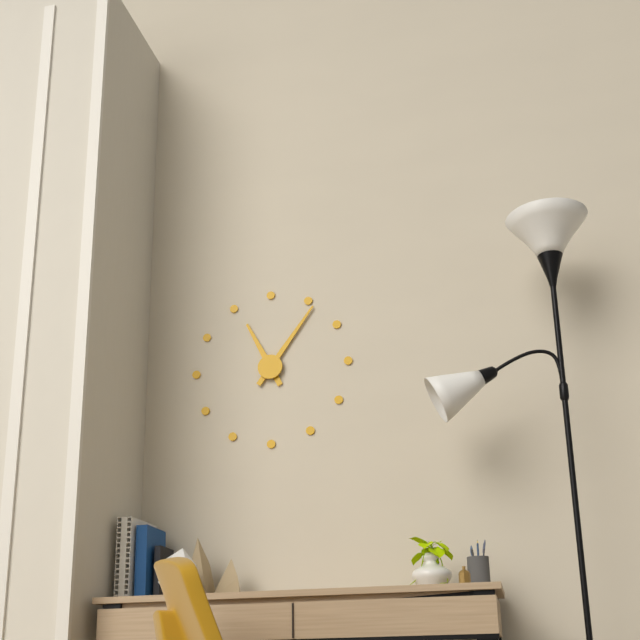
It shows 11h06
